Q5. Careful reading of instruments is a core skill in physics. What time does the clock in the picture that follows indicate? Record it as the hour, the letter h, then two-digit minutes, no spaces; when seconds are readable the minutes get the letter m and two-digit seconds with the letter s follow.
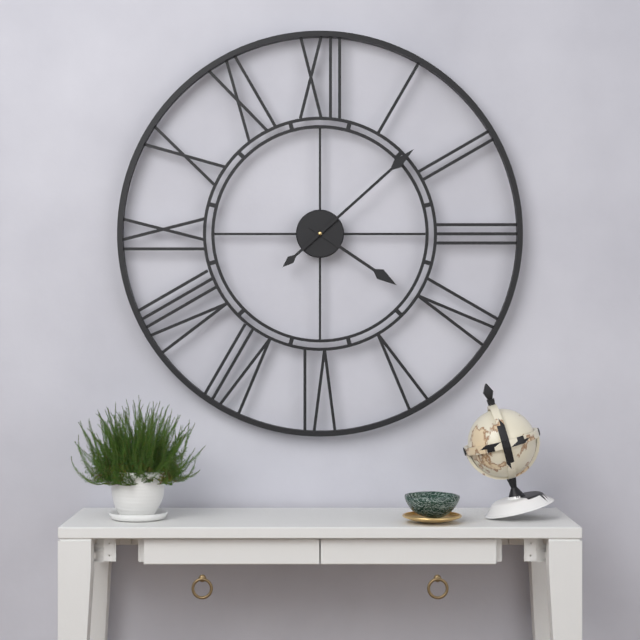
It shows 4h08
